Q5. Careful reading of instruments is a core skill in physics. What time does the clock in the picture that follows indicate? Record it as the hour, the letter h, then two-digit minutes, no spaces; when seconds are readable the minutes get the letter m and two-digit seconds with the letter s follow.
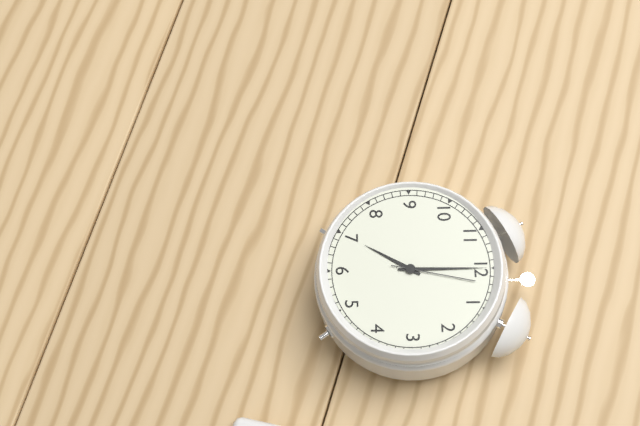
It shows 7h00m02s
